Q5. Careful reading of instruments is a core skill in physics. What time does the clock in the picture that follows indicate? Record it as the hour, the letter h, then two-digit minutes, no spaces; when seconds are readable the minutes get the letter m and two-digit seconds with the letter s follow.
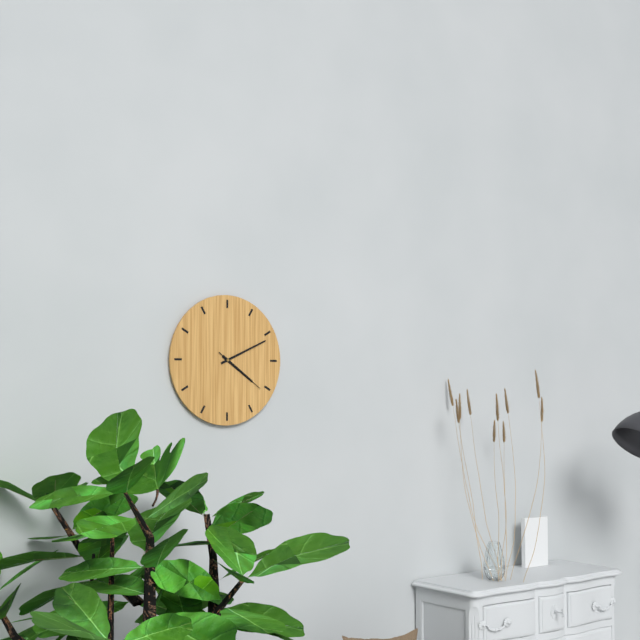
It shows 4h11m21s
